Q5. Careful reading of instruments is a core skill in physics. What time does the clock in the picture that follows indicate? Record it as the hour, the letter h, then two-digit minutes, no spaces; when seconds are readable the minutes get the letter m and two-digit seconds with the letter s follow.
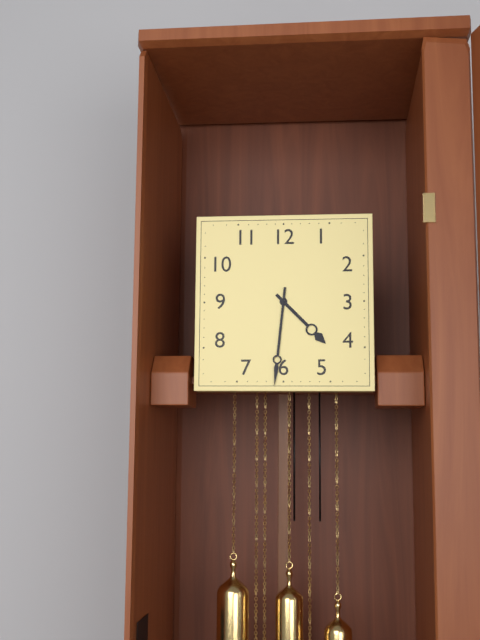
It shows 4h31
